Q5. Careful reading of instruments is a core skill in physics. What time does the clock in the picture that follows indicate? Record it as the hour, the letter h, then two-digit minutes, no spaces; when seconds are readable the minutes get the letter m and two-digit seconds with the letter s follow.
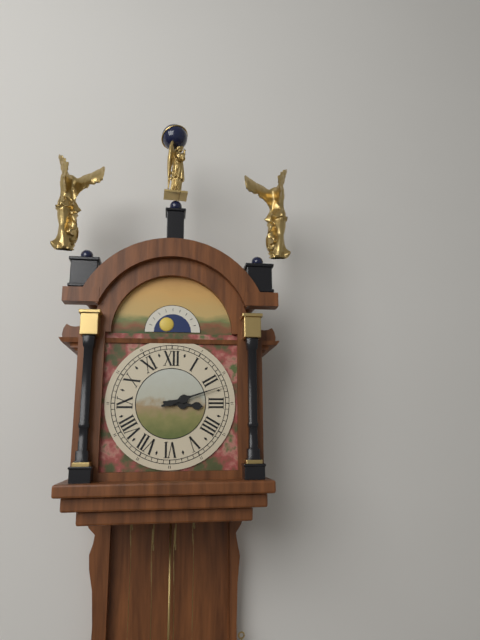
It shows 3h12
